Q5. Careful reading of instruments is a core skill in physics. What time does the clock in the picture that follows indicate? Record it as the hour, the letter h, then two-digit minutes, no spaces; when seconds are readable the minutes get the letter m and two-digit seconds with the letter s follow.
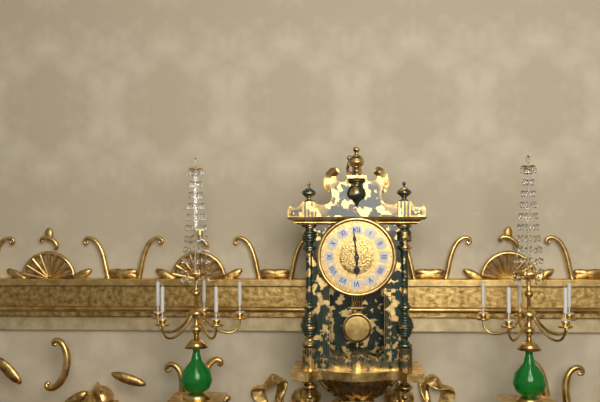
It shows 5h59
